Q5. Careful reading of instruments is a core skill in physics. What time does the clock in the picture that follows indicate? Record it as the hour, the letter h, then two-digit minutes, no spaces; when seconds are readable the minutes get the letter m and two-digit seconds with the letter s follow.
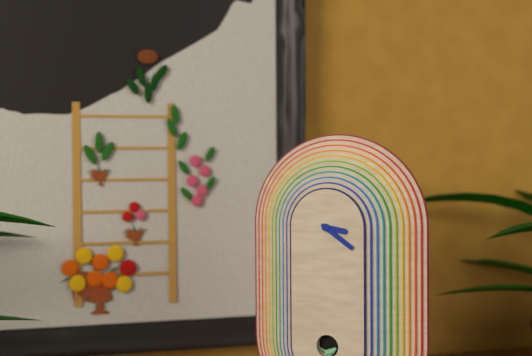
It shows 3h21
